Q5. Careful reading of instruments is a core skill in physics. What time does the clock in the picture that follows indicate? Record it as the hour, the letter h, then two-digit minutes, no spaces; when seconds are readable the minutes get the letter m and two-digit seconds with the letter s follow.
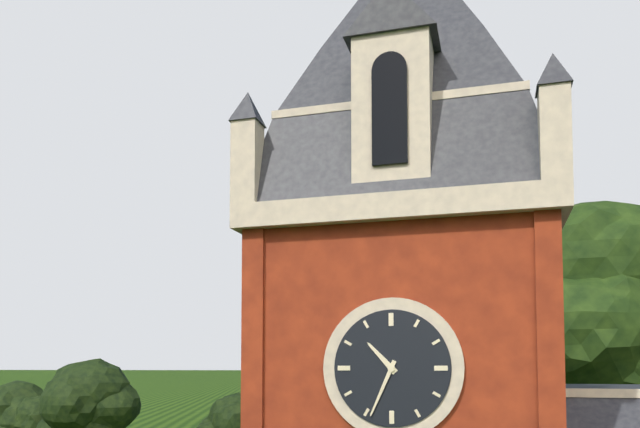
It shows 10h34
